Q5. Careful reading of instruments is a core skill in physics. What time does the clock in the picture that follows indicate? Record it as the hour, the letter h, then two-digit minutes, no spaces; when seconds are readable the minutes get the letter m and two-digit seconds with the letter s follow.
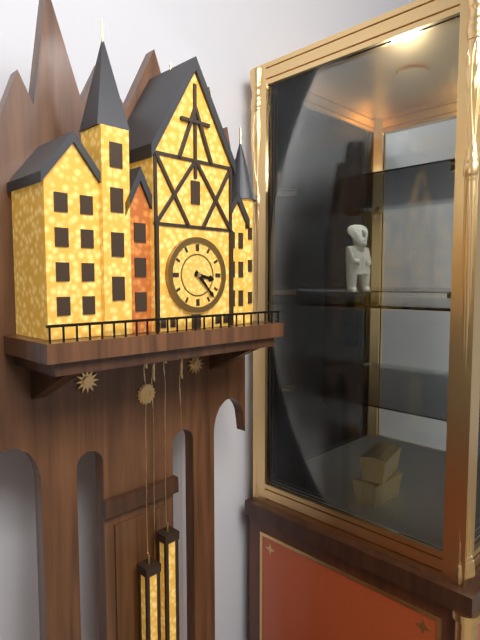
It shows 3h23
